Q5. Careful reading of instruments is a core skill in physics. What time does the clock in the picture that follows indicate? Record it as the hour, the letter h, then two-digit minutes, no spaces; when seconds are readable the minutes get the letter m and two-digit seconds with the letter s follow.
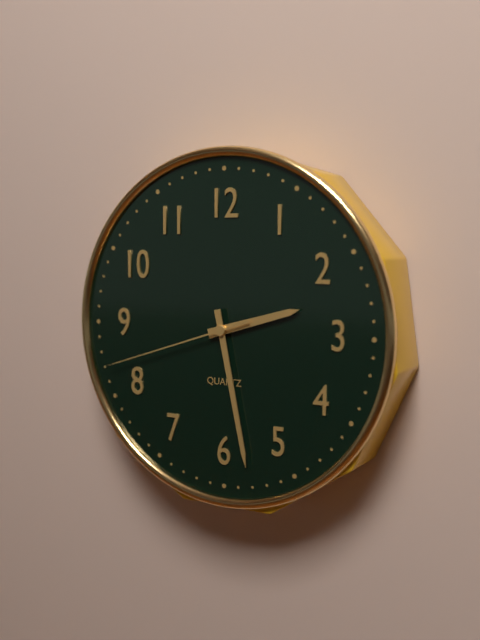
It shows 2h28m42s
